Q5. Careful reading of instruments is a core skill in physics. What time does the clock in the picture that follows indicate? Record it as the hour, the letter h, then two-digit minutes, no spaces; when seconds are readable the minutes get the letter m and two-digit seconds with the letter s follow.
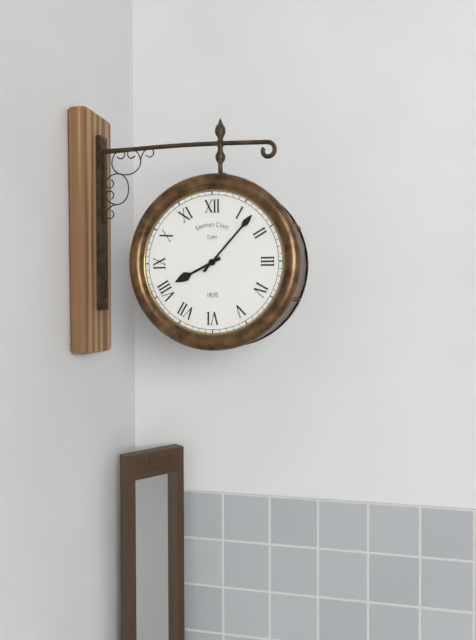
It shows 8h07
